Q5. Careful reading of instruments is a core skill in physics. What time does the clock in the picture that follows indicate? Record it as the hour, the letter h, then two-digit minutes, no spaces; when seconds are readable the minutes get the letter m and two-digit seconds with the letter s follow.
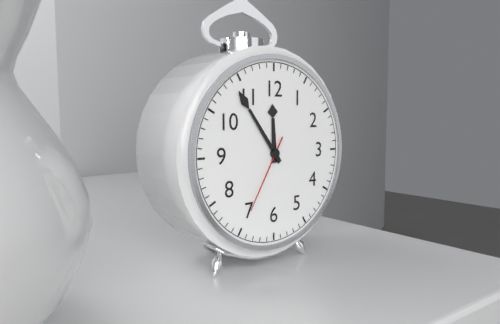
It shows 11h54m35s
